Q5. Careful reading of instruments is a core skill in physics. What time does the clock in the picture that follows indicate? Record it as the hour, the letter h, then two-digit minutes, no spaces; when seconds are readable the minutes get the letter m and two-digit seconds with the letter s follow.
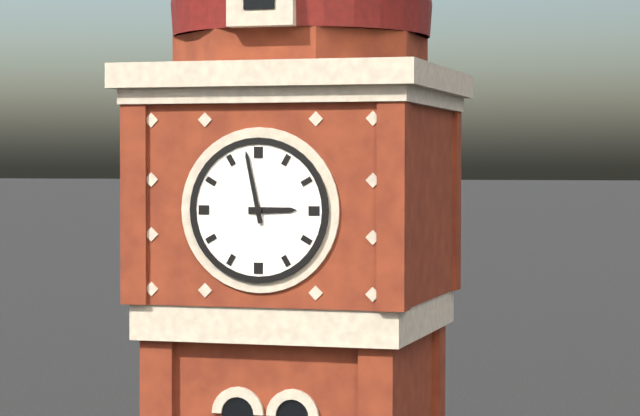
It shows 2h58
